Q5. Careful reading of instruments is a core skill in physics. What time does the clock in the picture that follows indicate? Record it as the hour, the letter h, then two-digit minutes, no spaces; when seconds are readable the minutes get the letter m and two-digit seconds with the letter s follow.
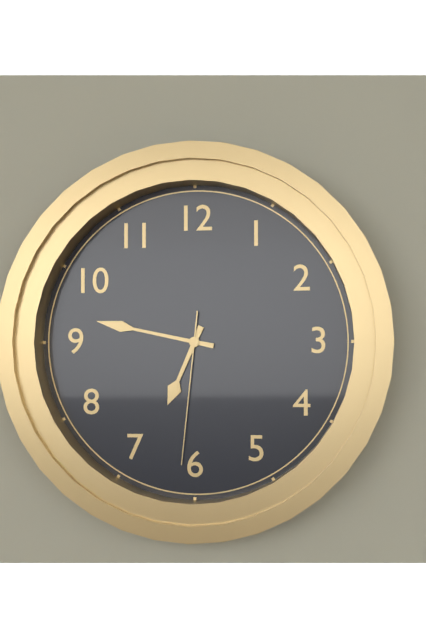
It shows 6h47m31s
